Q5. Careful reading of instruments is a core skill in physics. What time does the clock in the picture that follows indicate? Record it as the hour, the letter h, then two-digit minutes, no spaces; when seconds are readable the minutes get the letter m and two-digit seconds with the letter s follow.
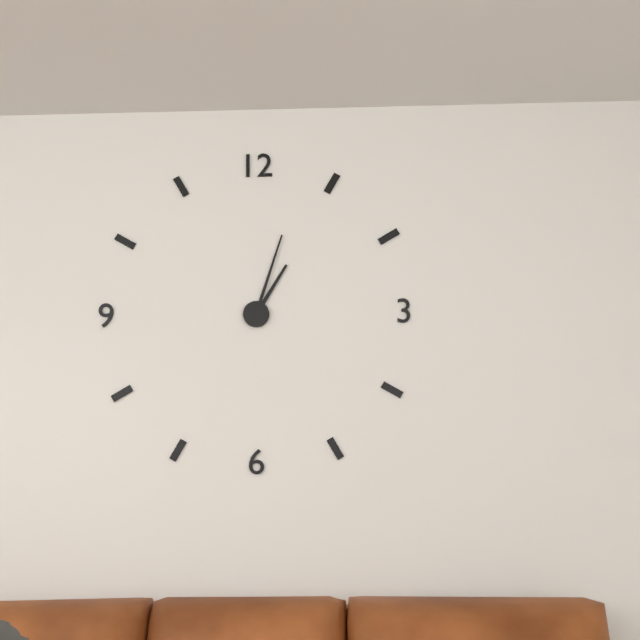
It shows 1h03
